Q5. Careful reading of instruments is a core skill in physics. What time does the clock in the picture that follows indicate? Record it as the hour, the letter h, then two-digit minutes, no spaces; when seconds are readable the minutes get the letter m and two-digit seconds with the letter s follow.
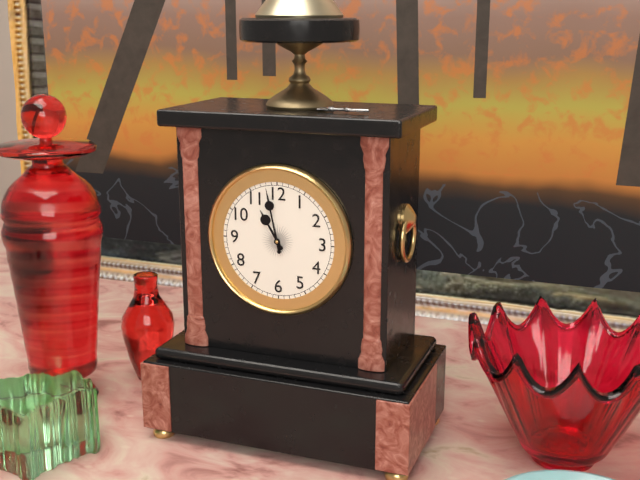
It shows 10h58
